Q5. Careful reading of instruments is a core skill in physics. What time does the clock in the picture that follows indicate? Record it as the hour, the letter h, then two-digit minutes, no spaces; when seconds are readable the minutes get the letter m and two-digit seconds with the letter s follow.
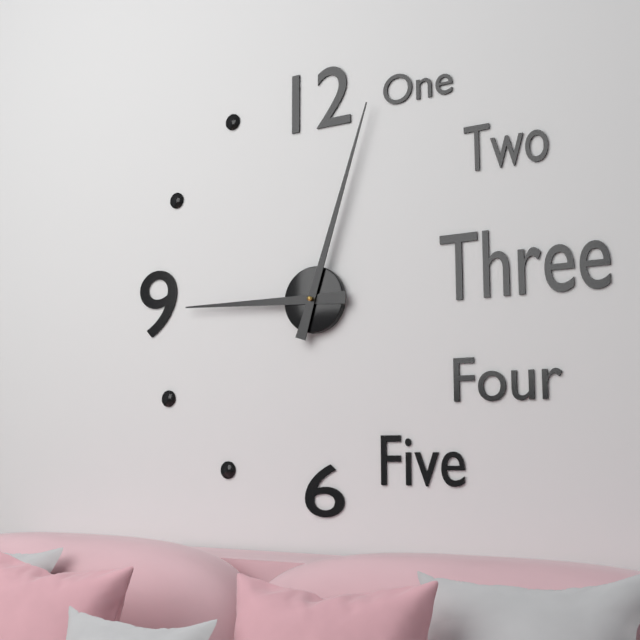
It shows 9h03
